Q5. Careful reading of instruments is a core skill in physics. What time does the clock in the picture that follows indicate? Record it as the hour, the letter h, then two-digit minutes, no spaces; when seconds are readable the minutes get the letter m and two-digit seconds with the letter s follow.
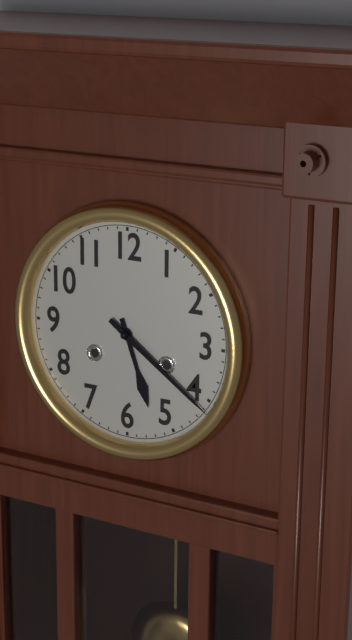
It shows 5h21
